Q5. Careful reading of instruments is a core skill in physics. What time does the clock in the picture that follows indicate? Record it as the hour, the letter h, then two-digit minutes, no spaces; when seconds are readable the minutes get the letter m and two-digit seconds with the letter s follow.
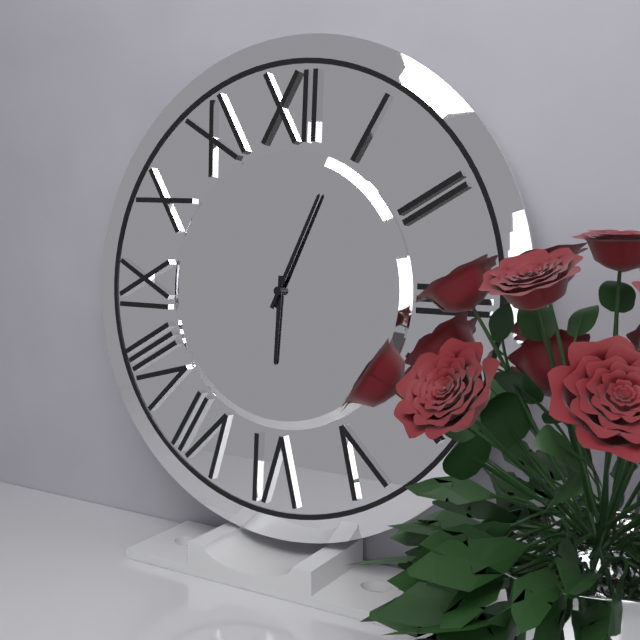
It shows 6h04
